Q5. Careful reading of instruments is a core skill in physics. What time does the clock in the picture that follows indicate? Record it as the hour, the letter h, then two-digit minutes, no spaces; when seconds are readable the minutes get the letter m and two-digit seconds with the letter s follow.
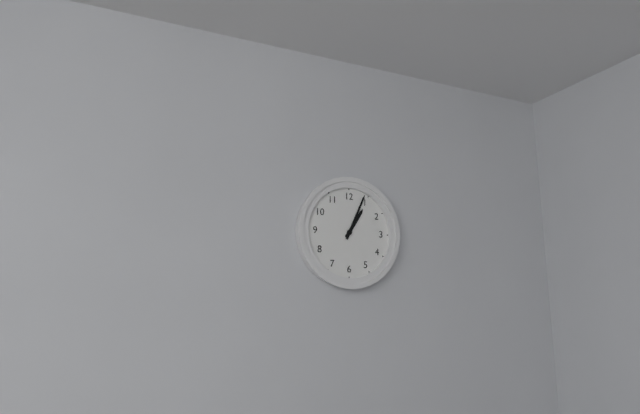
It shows 1h04
